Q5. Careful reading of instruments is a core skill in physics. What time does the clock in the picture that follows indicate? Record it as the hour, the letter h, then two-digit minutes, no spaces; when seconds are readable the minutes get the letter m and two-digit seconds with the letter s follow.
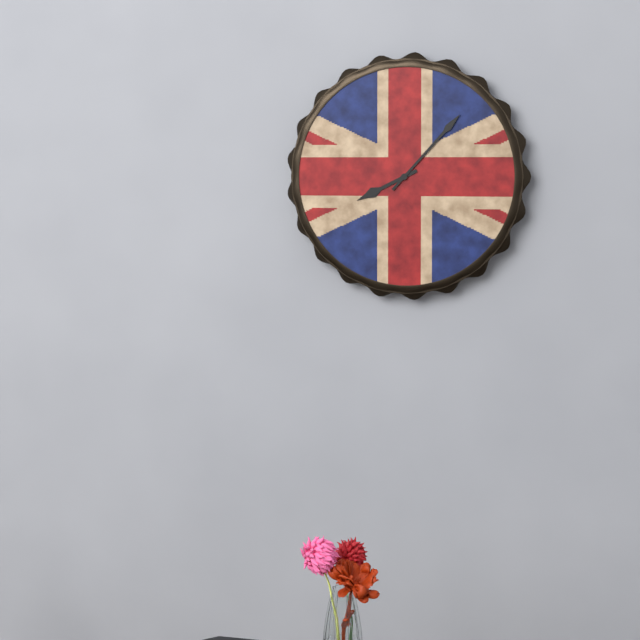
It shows 8h07
